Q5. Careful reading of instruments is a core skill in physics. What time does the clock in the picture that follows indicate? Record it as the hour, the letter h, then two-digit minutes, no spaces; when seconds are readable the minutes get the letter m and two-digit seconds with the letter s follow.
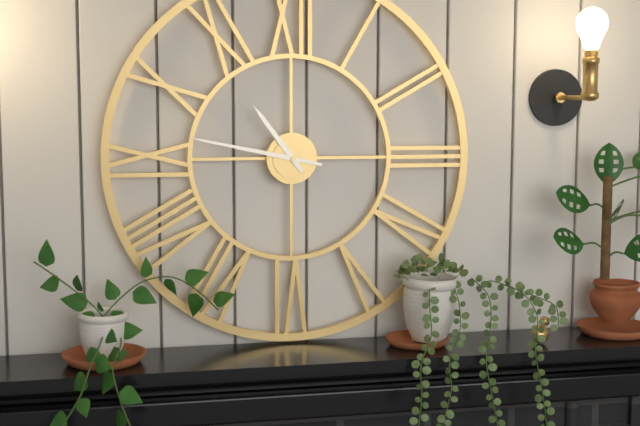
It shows 10h47
